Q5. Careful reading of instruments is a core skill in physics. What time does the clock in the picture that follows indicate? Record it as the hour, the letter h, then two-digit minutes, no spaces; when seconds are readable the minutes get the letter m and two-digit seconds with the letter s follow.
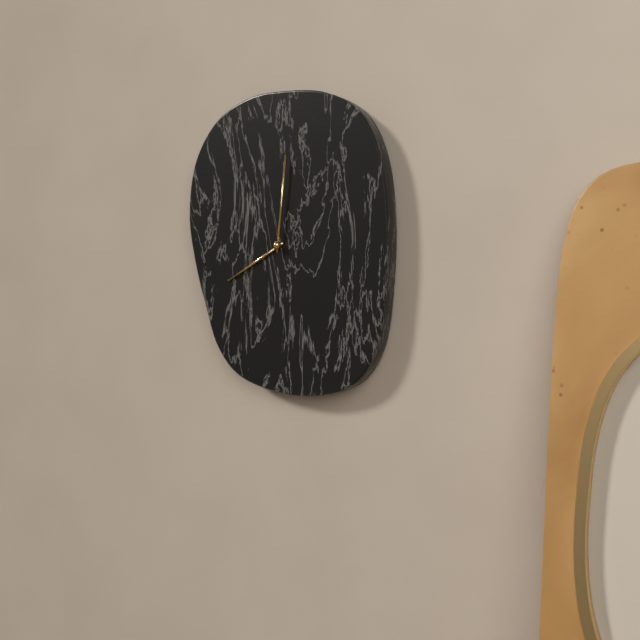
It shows 8h01
